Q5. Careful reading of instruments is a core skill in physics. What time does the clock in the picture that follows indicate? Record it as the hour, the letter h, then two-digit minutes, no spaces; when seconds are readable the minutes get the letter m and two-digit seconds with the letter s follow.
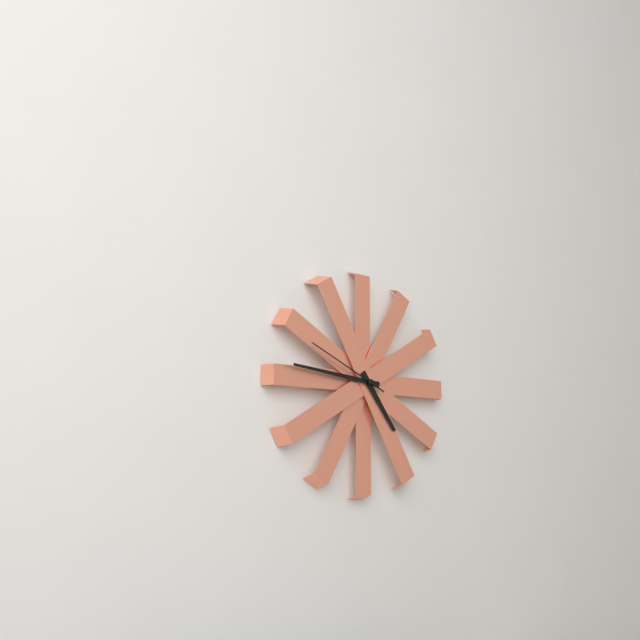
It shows 4h46m49s
